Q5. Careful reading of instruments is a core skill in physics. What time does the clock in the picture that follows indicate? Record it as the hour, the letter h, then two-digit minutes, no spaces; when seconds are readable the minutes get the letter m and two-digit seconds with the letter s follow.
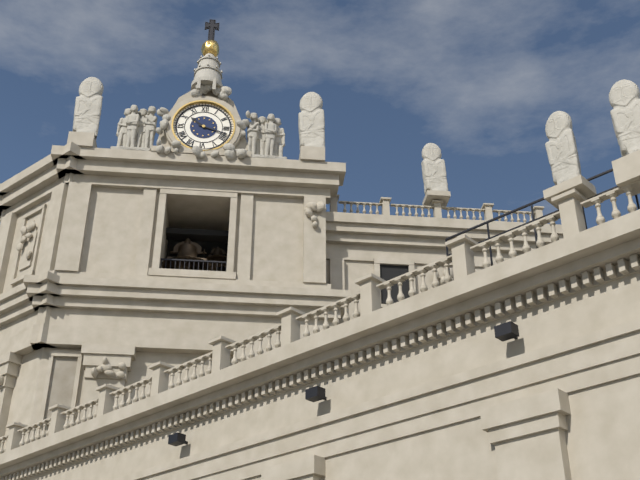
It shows 10h18
